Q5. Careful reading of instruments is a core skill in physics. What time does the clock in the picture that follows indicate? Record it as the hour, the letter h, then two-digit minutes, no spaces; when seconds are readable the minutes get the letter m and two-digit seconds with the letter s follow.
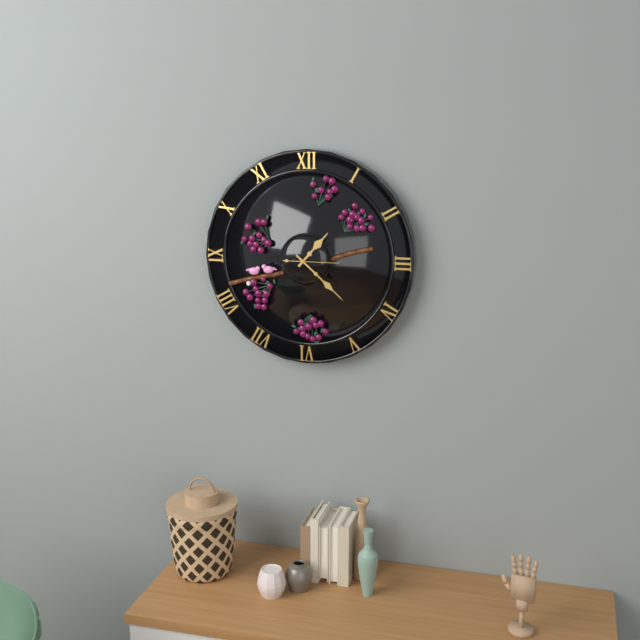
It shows 1h22
